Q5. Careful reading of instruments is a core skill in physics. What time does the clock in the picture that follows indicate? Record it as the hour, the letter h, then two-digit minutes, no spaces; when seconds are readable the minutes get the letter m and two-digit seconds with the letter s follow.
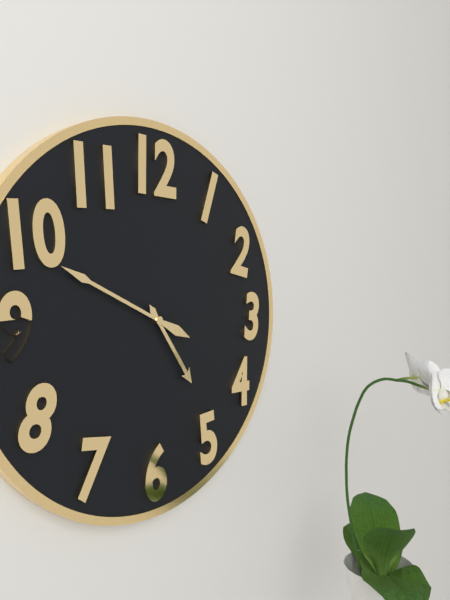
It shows 4h49
